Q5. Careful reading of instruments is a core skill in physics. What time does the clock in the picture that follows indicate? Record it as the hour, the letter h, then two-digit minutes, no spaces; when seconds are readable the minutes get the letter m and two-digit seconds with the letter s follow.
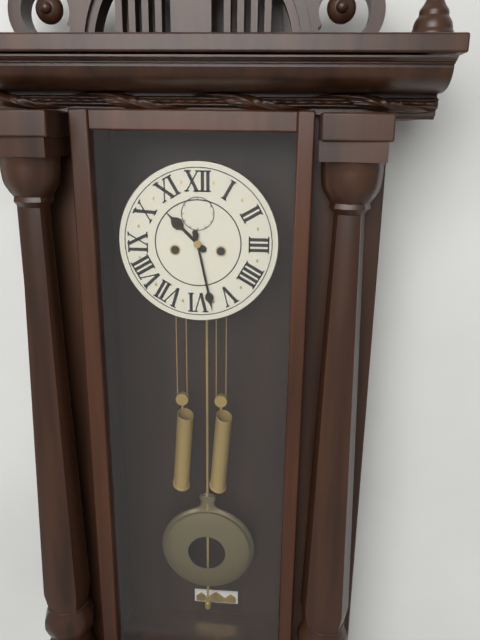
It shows 10h28
